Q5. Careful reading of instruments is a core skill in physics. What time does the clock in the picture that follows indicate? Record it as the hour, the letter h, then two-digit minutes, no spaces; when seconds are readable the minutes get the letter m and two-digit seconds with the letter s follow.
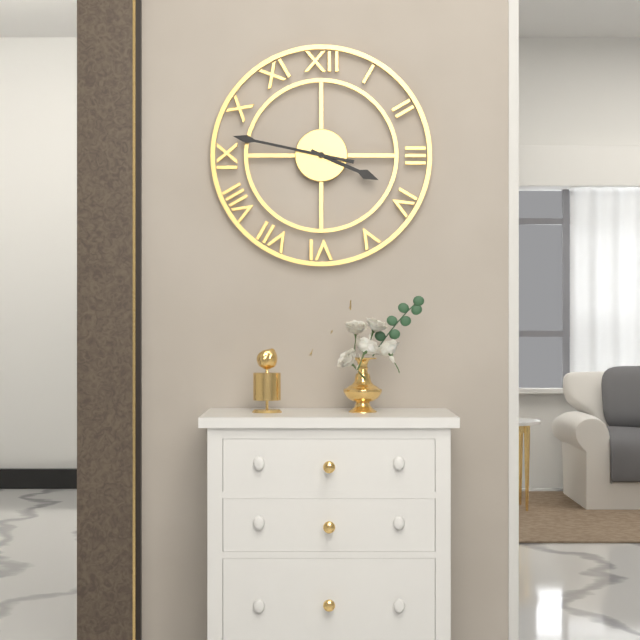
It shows 3h47
